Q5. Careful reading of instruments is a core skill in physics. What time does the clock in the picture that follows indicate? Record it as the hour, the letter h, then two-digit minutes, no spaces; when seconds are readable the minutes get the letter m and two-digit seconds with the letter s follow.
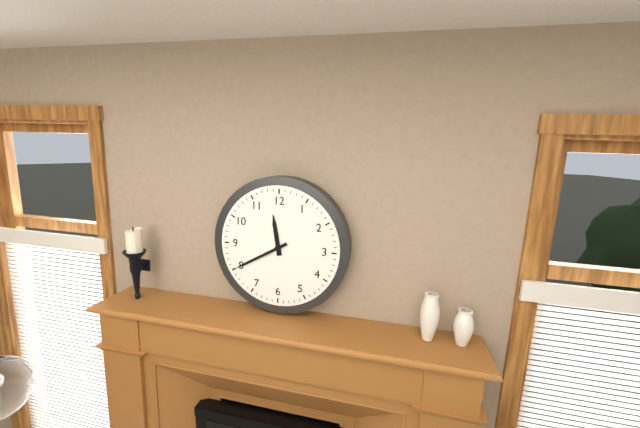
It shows 11h40
